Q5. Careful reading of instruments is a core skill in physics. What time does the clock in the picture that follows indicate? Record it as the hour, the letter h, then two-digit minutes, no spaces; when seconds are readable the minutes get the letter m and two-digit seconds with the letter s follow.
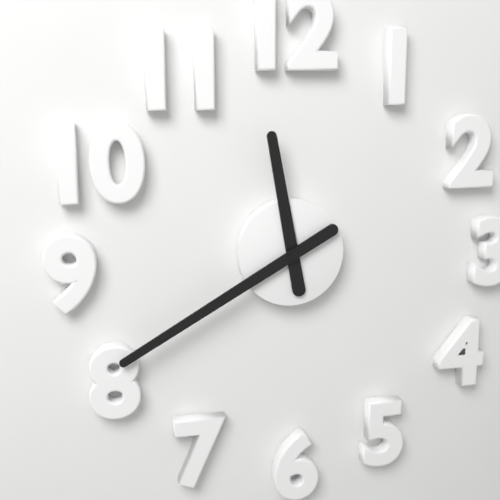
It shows 11h40
